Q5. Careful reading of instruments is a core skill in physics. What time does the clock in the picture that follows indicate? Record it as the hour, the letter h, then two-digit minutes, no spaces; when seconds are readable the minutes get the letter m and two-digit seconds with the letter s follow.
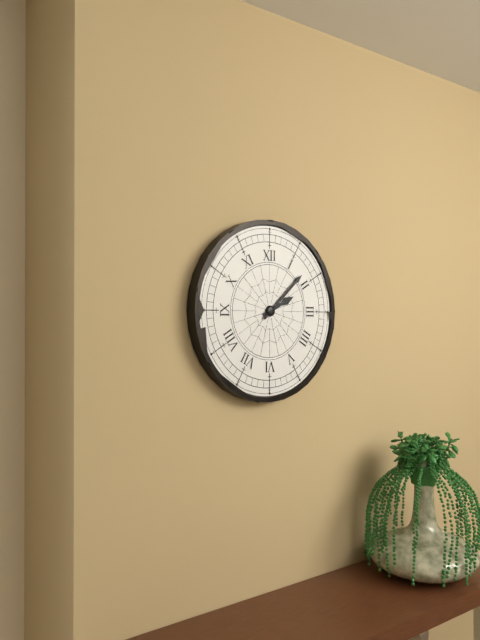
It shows 2h08
